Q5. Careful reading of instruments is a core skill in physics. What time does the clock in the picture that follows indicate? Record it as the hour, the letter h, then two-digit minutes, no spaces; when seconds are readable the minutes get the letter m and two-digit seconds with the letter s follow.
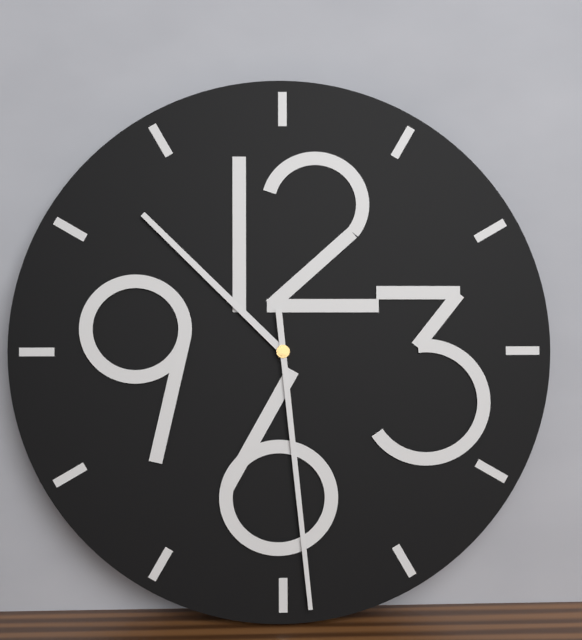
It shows 10h29
